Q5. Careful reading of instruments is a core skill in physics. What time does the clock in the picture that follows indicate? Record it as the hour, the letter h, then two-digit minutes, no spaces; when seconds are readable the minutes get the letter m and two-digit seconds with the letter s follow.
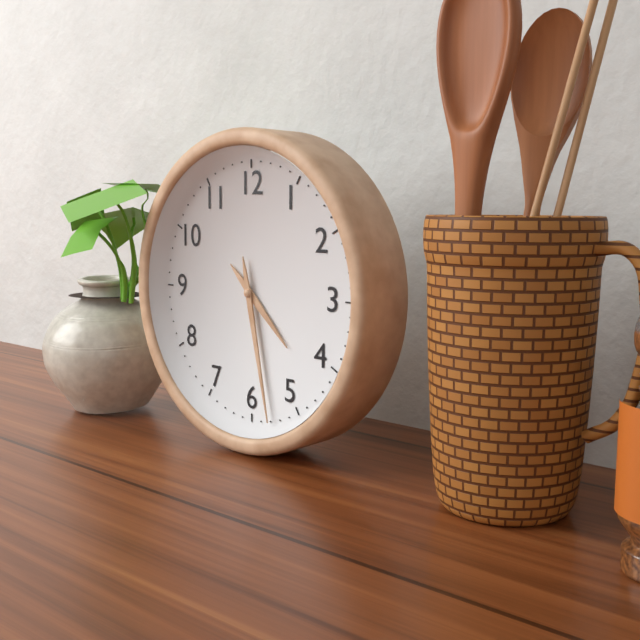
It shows 4h28
